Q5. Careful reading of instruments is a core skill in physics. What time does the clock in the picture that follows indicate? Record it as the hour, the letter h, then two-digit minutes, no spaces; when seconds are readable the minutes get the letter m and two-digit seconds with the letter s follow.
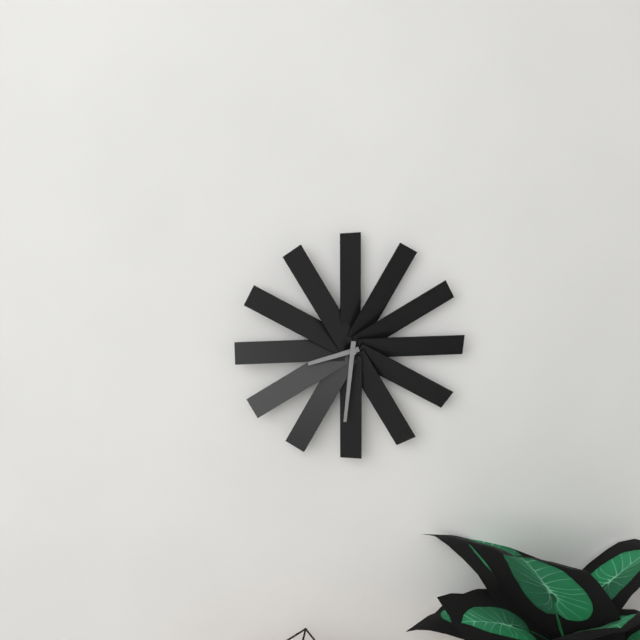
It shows 8h31
